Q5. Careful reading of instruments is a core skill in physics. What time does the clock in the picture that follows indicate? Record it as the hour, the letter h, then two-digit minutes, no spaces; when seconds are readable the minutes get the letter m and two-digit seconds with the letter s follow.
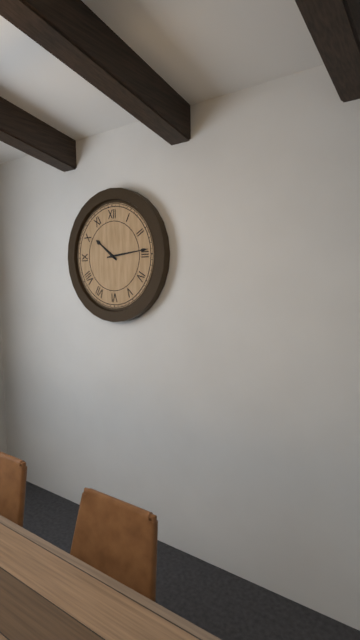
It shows 10h14
